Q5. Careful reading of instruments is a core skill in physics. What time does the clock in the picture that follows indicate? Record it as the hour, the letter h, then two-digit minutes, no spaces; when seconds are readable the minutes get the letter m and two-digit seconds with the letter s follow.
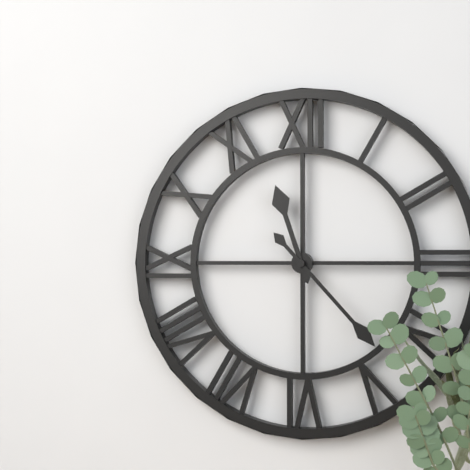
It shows 11h23
